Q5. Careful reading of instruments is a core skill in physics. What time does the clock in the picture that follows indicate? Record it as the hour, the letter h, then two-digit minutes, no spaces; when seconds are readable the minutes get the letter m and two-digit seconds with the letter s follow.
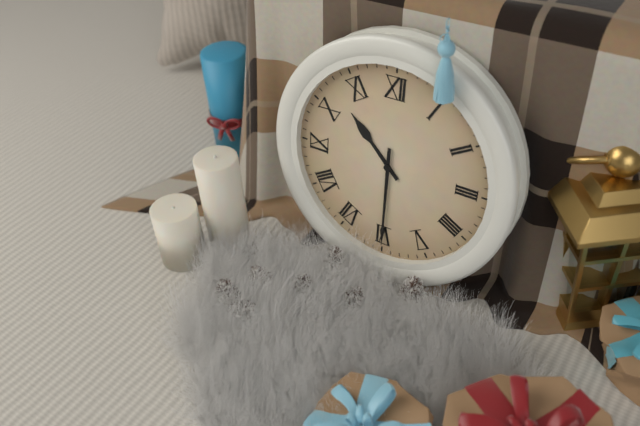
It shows 10h30
